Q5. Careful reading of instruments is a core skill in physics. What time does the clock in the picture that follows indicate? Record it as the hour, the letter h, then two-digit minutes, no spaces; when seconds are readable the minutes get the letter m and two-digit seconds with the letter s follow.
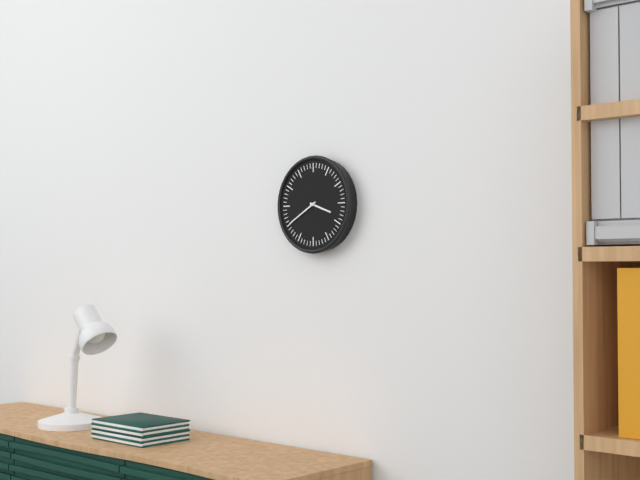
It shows 3h40
